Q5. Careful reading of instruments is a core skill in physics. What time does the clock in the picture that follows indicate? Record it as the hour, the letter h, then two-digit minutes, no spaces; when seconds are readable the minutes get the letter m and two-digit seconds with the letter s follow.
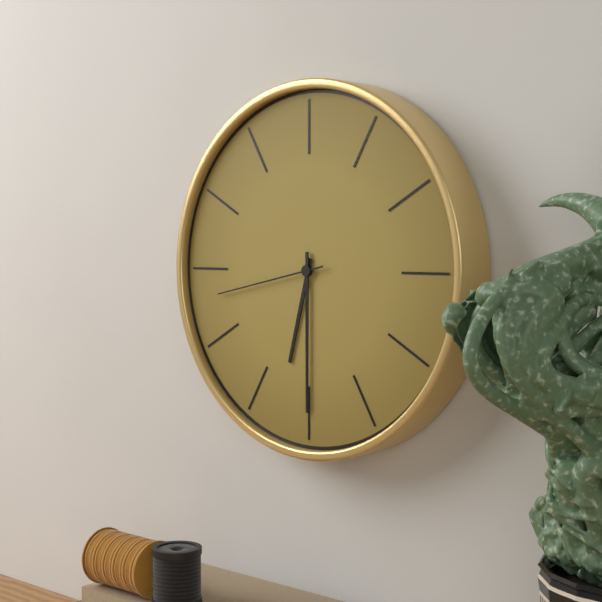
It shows 6h30m43s
